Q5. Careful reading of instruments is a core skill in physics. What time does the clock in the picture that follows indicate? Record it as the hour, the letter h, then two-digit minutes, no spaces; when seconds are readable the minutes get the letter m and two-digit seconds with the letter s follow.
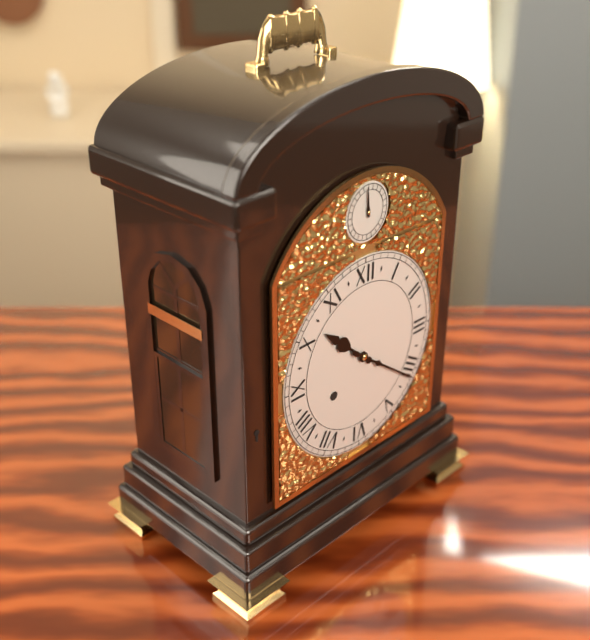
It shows 10h21
